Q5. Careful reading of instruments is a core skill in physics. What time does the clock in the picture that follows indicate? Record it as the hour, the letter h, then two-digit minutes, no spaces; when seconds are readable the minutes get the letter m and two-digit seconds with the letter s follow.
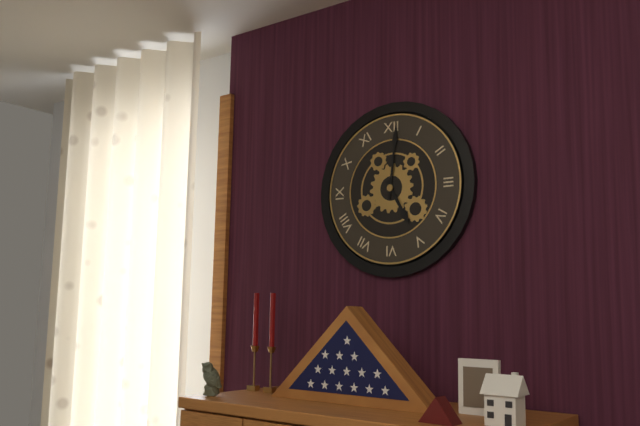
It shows 5h01
